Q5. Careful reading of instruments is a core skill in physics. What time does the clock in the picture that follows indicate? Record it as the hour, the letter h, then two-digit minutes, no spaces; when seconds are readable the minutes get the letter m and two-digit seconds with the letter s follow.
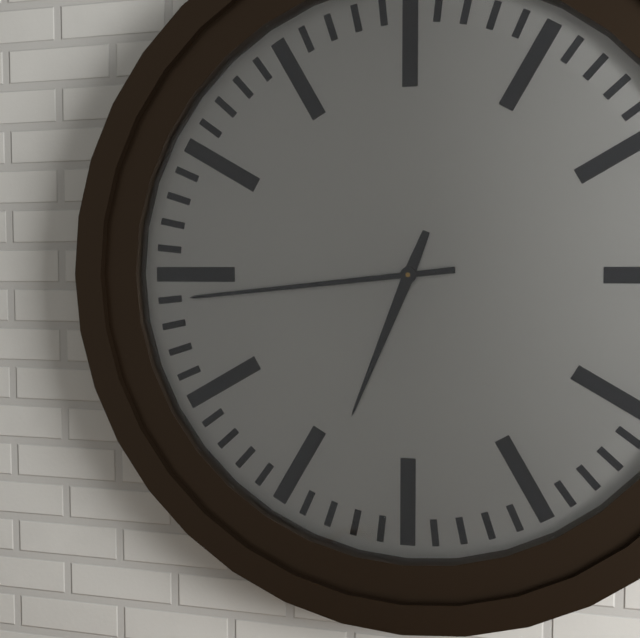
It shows 6h44
